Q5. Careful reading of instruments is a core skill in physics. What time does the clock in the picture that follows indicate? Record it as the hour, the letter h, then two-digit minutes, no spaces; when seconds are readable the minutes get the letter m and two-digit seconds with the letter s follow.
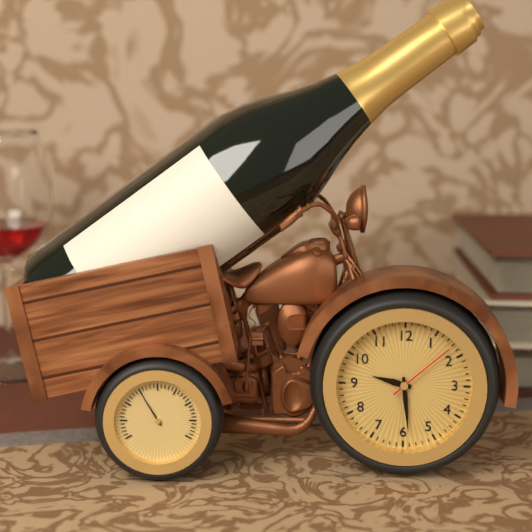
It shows 9h29m08s
